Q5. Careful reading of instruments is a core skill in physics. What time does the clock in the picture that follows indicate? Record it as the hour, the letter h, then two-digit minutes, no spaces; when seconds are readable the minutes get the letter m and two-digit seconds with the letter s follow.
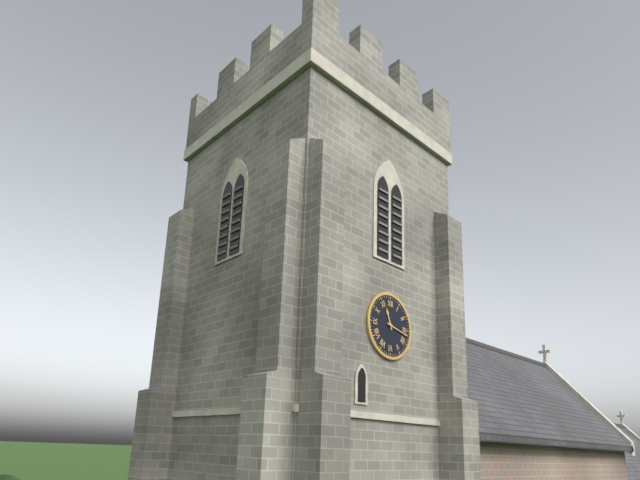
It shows 11h17
